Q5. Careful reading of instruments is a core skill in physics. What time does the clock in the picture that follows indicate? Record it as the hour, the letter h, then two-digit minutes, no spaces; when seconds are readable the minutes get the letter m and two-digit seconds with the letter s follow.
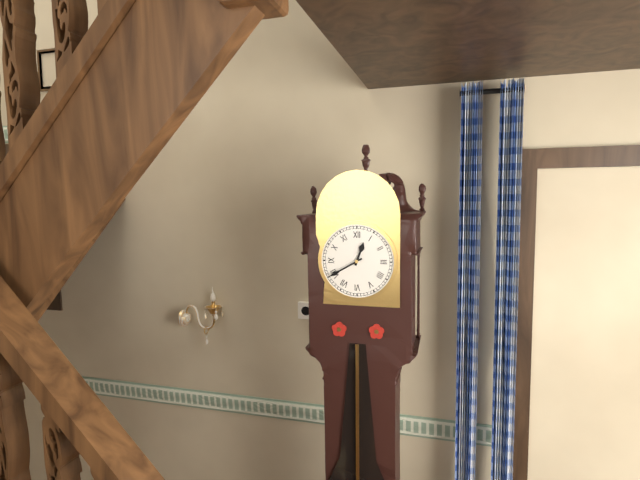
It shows 12h40
